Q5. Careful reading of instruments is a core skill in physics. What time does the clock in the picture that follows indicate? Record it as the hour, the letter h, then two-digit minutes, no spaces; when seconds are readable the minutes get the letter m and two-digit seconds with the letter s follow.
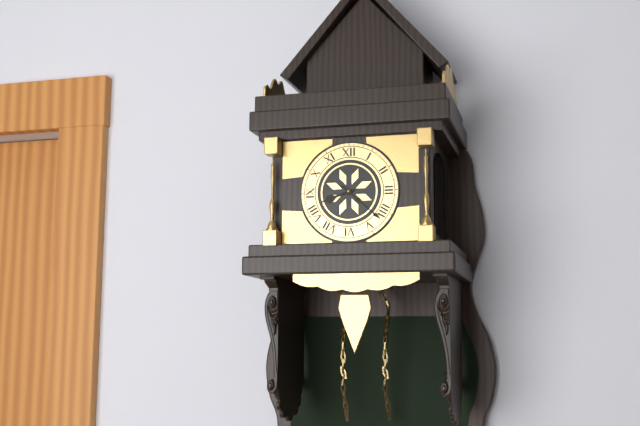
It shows 8h22
